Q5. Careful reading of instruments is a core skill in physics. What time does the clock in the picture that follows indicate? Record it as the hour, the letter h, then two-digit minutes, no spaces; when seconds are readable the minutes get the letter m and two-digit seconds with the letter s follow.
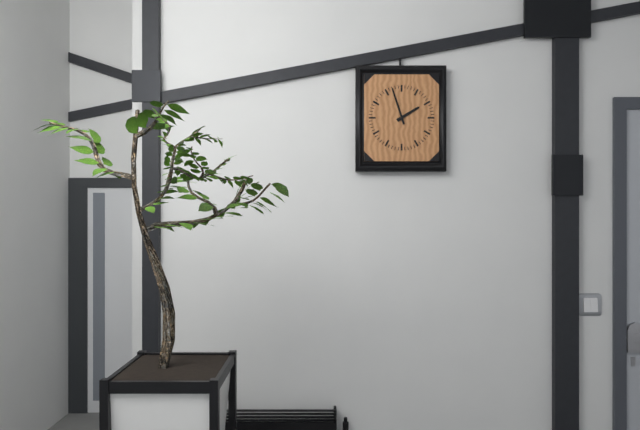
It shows 1h57
